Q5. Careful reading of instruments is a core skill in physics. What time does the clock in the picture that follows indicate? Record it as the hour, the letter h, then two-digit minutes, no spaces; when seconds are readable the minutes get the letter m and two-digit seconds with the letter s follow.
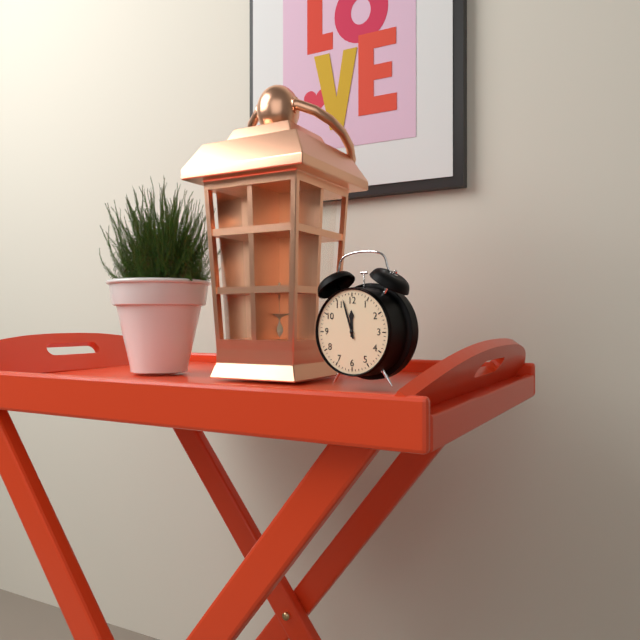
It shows 11h57
